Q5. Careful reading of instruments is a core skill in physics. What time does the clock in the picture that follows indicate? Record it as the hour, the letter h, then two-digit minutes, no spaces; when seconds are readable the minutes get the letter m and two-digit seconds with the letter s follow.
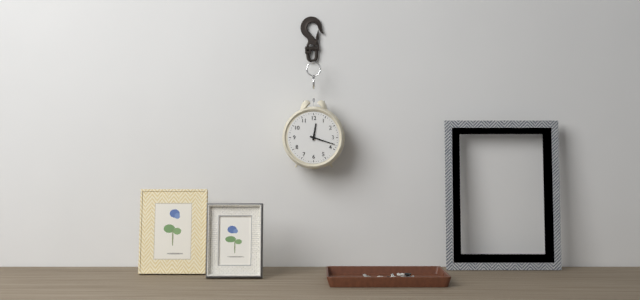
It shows 12h18
